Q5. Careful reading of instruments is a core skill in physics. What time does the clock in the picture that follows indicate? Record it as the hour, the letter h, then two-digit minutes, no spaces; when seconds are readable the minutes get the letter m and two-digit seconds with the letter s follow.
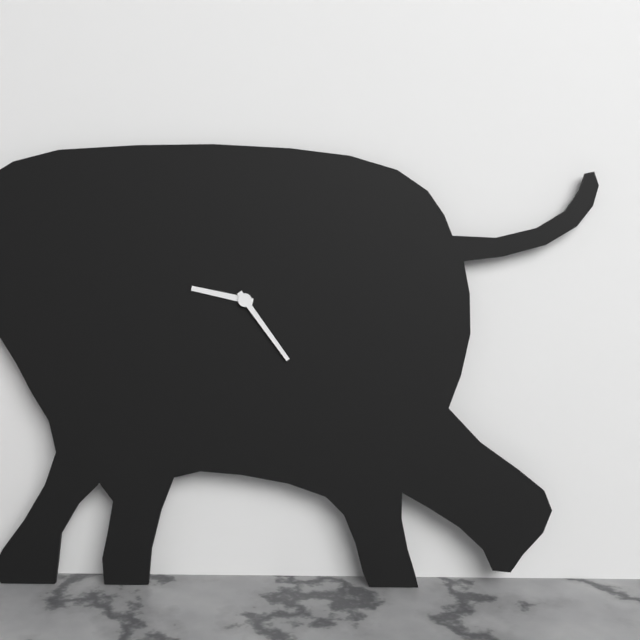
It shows 9h24
